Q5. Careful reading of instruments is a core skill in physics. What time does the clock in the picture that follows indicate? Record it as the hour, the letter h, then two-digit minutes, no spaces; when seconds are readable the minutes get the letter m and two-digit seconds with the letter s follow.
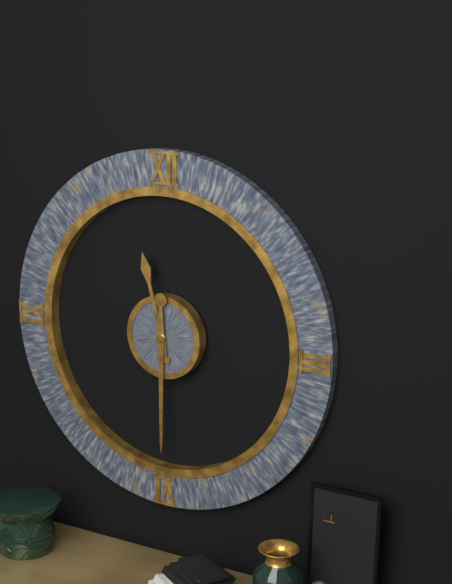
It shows 11h30
